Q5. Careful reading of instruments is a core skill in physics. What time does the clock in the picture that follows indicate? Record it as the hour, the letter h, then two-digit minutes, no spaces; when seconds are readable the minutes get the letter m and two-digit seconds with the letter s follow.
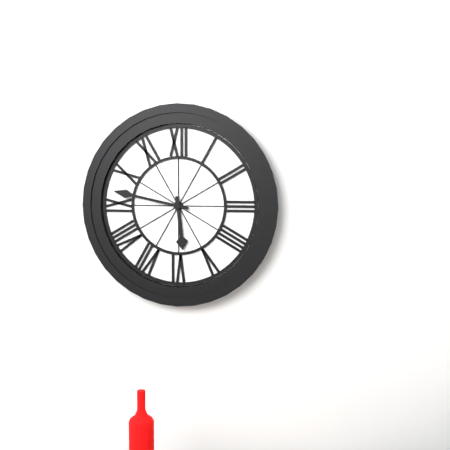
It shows 5h47
